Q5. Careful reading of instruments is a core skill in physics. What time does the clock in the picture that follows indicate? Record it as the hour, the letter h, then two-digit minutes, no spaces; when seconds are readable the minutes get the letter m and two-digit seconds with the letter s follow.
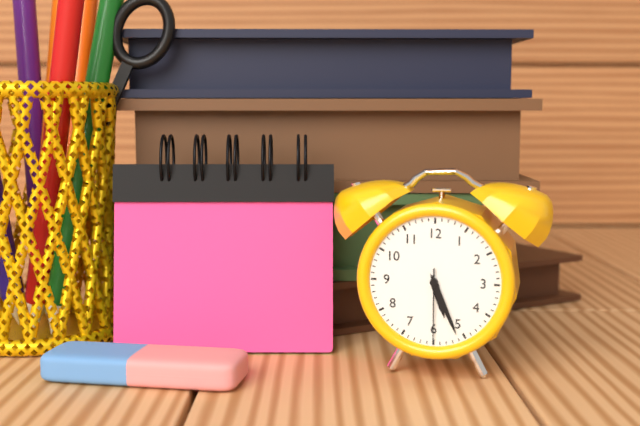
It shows 5h26m30s
